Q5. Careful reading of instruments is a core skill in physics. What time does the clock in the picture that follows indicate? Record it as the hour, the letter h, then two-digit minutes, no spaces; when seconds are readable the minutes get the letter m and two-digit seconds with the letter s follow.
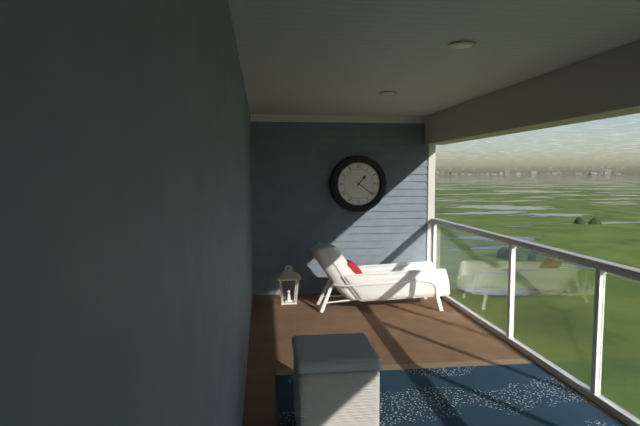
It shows 1h21
